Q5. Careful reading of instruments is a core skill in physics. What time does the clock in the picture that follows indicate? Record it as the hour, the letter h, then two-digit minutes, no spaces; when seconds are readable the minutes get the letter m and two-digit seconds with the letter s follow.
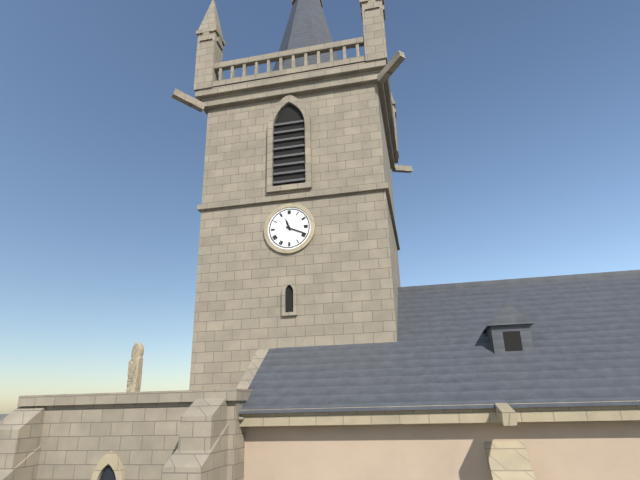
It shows 11h19
